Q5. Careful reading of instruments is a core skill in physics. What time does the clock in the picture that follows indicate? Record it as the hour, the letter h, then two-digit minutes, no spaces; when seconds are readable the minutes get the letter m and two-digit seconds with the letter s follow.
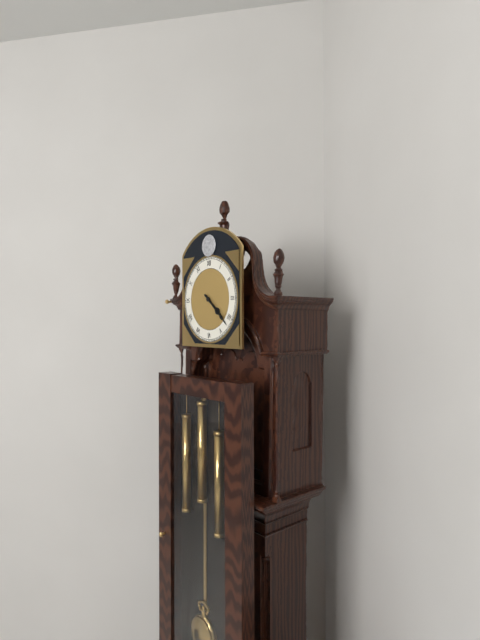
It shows 4h22
